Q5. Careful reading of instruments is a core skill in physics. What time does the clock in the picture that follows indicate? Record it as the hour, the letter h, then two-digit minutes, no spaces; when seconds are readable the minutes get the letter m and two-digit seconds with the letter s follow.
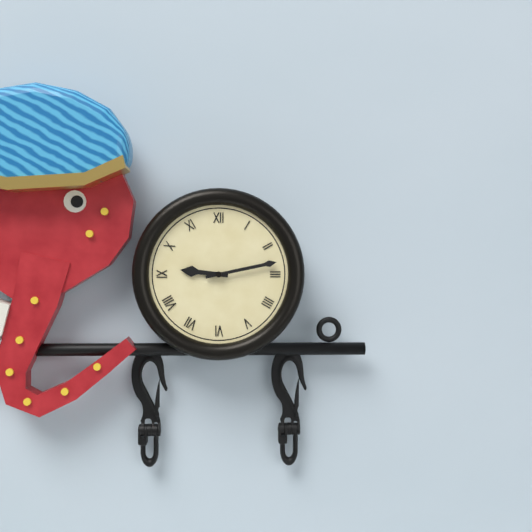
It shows 9h13
